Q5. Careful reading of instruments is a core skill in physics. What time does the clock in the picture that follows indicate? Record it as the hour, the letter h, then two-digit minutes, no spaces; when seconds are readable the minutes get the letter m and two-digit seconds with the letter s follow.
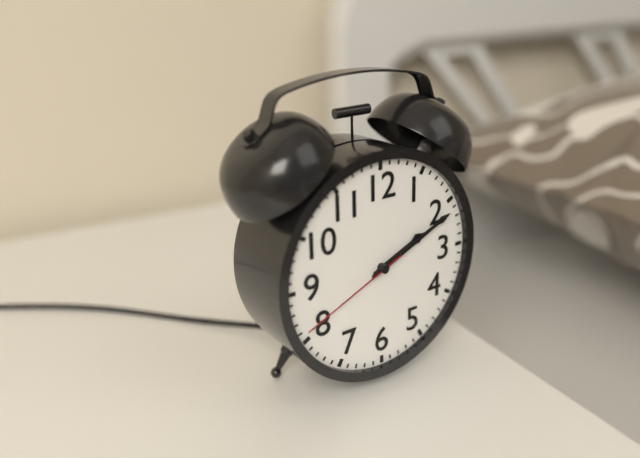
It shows 2h11m41s
